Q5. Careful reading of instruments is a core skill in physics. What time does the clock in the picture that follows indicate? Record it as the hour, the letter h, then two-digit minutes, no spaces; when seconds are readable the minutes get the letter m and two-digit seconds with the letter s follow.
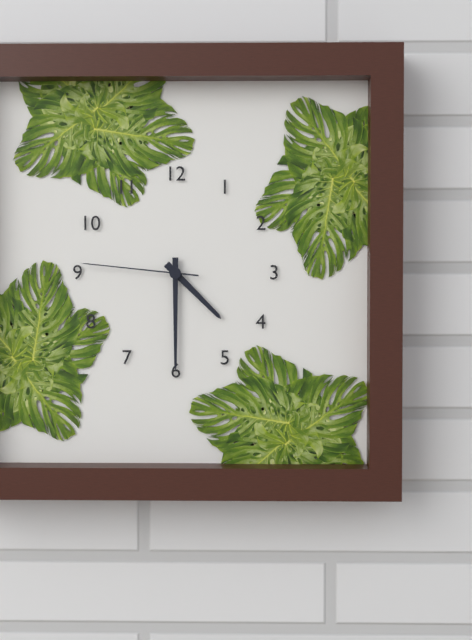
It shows 4h30m46s
